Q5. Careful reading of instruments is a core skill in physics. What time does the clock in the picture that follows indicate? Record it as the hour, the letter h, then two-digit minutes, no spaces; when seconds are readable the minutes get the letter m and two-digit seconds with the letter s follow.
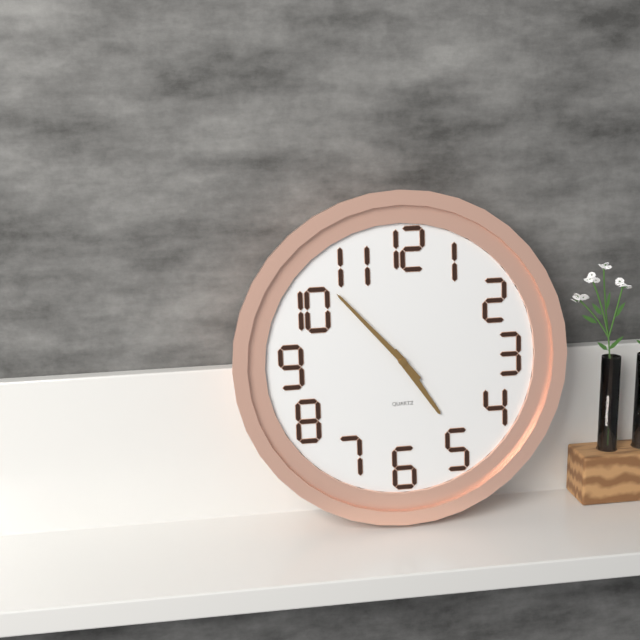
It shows 4h53
